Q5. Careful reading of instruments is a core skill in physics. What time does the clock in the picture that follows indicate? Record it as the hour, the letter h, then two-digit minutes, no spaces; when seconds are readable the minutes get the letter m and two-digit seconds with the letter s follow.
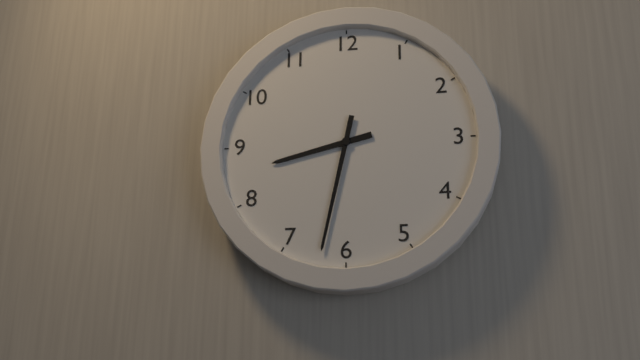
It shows 8h32
